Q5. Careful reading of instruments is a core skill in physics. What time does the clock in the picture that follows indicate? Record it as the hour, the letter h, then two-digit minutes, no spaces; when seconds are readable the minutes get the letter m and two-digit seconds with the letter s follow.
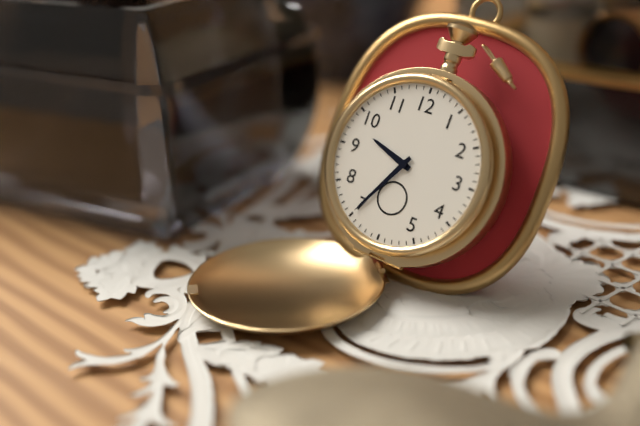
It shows 9h35
